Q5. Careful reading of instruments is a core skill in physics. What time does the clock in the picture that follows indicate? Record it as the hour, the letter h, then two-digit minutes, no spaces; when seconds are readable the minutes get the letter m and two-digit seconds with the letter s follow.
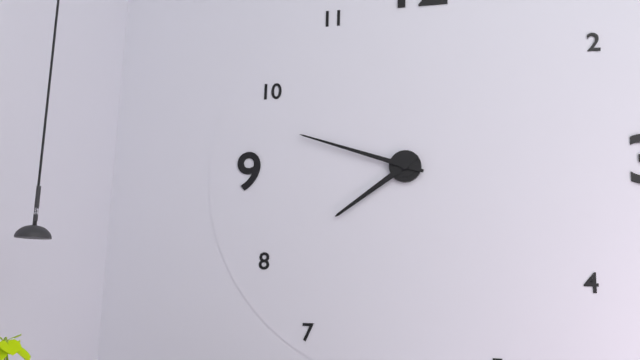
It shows 7h48
